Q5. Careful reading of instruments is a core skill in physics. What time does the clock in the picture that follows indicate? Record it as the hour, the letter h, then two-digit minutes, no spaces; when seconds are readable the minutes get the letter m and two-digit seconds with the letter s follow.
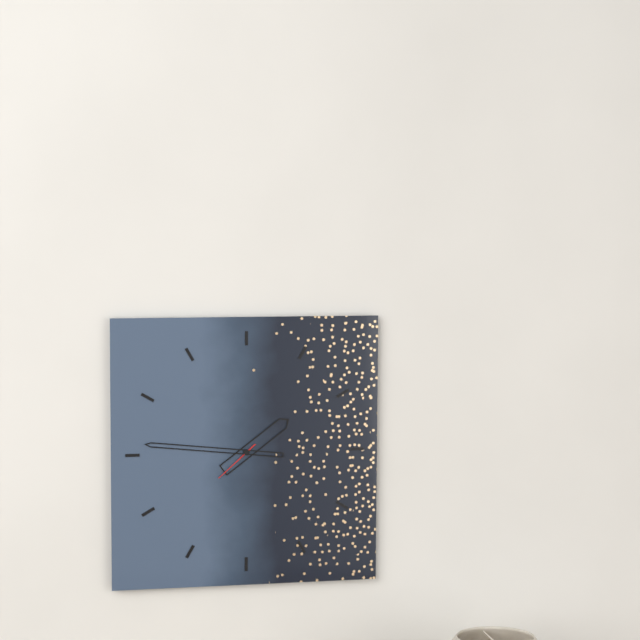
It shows 1h46
